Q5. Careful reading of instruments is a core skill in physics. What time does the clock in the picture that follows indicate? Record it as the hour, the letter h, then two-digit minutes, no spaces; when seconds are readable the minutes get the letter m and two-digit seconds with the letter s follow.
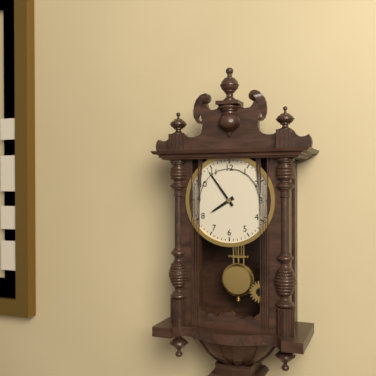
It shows 7h54
